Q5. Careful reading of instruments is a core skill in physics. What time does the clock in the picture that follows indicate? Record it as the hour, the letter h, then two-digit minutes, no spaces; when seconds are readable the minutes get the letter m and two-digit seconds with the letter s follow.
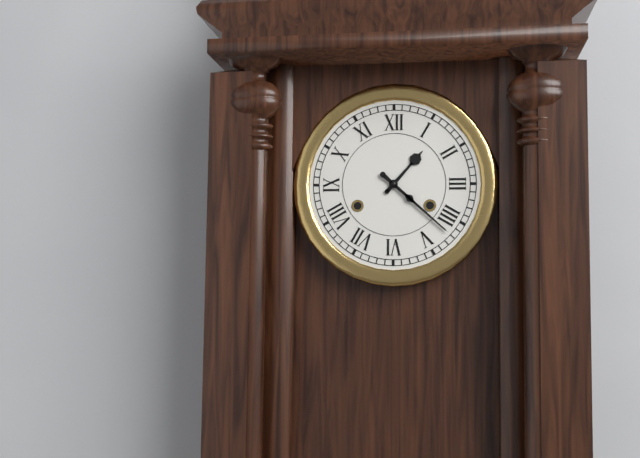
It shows 1h22
